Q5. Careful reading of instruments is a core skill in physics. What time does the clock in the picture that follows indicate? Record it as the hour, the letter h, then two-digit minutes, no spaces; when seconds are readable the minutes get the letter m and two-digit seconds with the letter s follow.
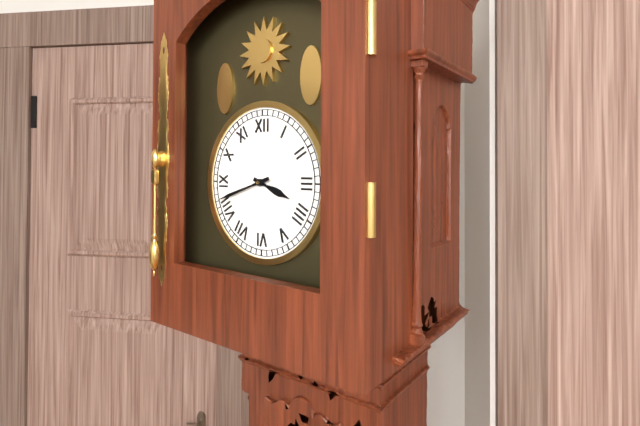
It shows 3h42
